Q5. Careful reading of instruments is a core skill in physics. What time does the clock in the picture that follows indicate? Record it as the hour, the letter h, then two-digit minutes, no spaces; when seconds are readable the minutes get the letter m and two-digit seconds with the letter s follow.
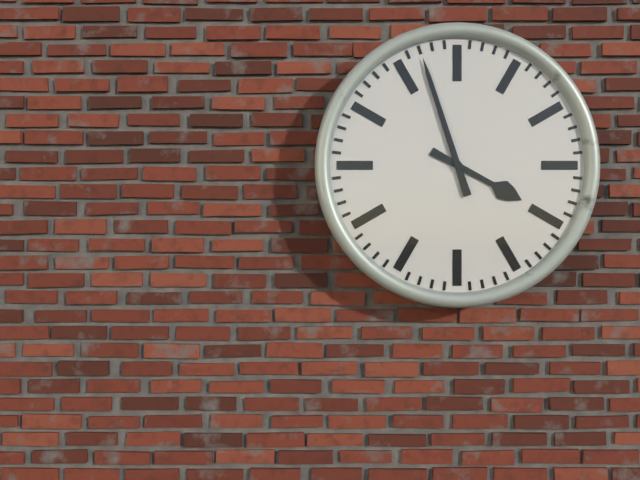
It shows 3h57
